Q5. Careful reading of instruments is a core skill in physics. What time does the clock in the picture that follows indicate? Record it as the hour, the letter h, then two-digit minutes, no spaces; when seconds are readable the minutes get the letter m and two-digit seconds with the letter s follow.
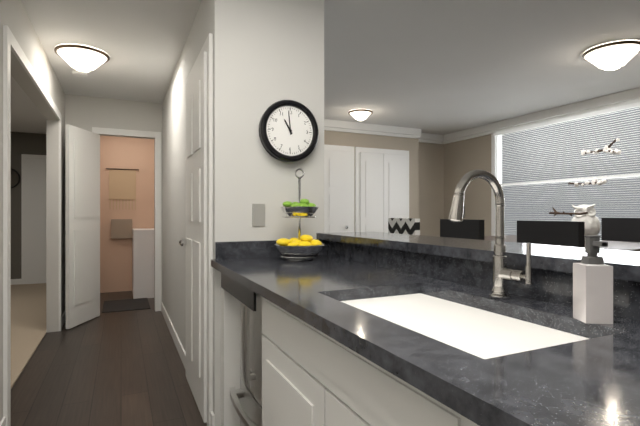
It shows 10h59
